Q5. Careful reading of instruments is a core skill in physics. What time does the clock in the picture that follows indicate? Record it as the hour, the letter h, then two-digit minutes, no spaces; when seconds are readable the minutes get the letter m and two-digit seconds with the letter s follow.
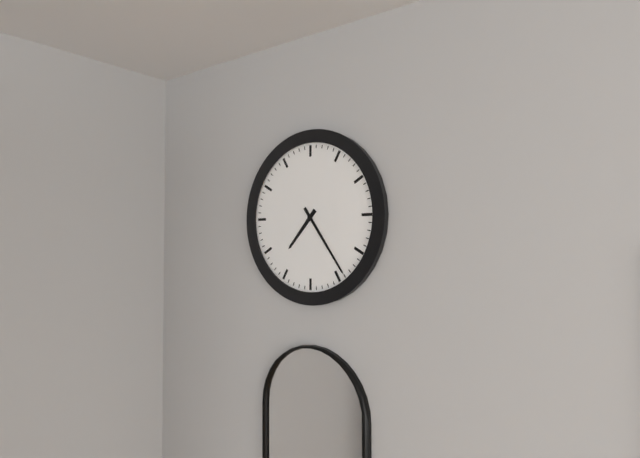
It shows 7h24
